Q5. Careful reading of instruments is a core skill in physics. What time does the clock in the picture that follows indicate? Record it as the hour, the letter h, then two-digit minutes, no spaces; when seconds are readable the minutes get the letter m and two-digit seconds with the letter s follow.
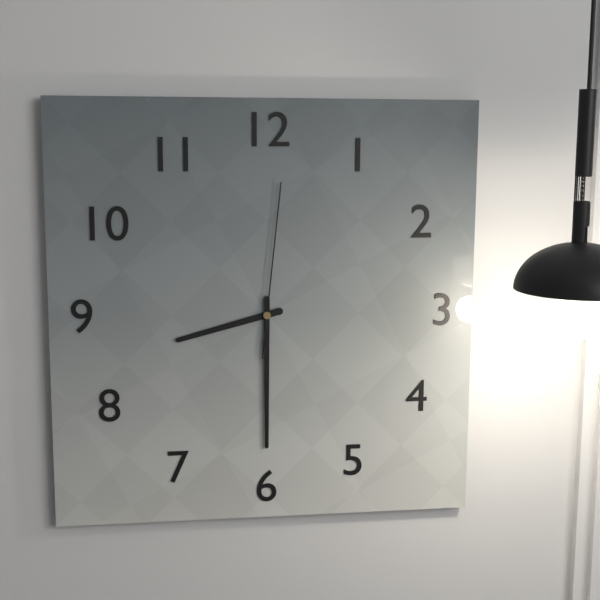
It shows 8h30m01s
